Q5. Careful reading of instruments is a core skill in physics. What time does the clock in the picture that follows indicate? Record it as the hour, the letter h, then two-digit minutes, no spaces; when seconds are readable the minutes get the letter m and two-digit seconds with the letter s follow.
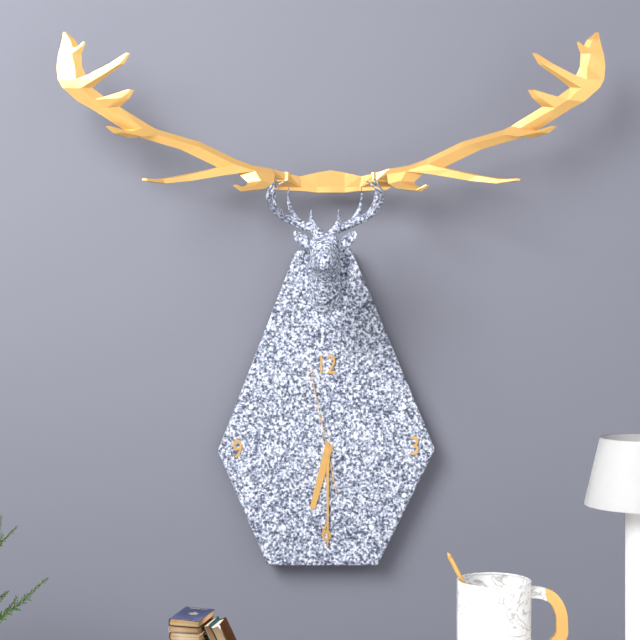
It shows 6h30m58s
